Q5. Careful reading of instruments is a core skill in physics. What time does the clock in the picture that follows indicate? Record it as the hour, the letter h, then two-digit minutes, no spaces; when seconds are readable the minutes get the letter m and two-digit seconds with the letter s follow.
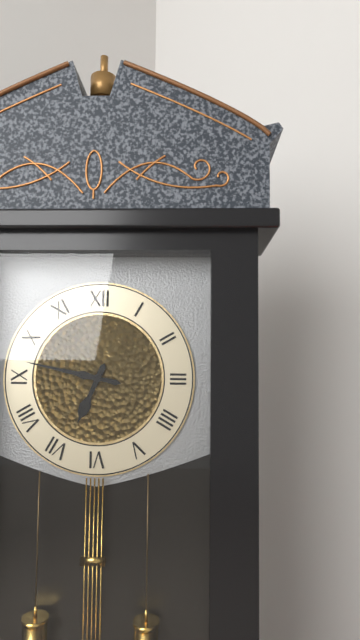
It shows 6h47
